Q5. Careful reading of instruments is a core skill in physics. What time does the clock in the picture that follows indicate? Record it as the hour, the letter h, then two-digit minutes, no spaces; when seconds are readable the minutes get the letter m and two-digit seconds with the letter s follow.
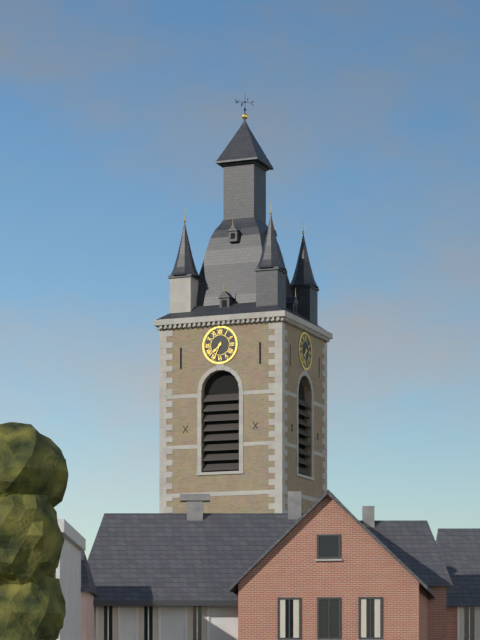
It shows 7h34
